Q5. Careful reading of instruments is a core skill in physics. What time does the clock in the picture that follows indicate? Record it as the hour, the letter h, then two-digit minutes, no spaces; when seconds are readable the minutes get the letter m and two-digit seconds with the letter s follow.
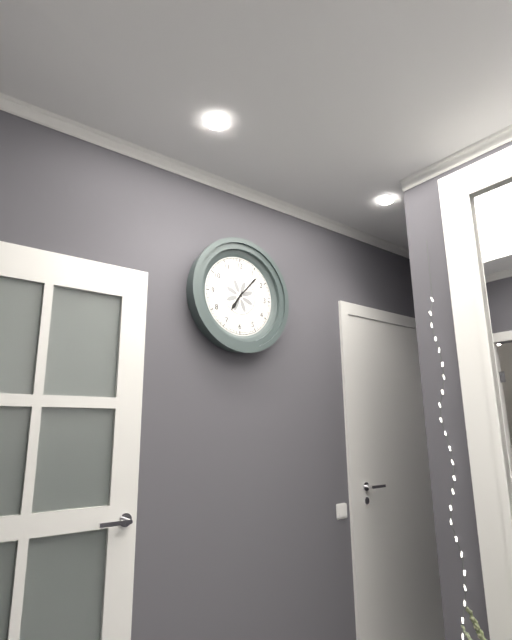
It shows 7h07
